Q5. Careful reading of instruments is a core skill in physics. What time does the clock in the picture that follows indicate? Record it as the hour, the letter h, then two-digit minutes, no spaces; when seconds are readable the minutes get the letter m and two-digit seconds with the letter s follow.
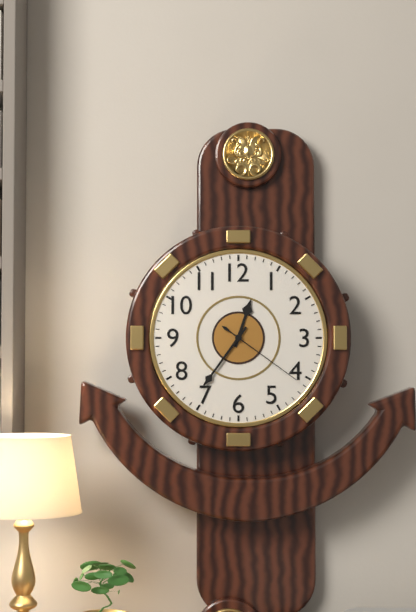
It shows 12h36m21s
